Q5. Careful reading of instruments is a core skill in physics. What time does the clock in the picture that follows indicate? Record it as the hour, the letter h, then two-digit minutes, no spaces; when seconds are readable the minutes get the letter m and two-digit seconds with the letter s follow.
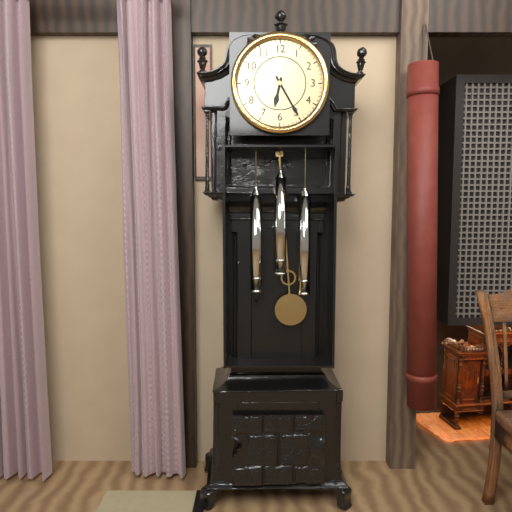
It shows 6h25
